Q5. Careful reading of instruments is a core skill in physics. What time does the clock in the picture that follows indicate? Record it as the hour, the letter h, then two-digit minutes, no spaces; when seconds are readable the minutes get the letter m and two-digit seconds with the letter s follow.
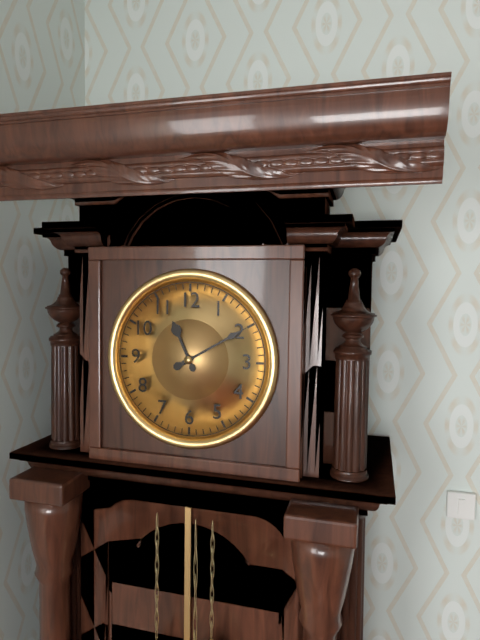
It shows 11h10
